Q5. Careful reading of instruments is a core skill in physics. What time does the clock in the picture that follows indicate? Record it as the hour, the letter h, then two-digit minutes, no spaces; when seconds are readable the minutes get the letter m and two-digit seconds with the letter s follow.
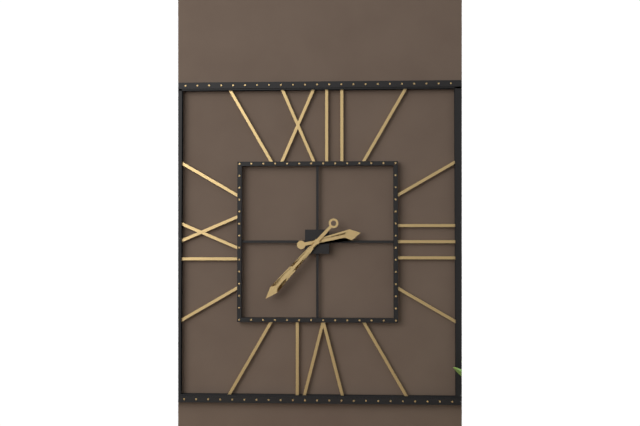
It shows 2h37
